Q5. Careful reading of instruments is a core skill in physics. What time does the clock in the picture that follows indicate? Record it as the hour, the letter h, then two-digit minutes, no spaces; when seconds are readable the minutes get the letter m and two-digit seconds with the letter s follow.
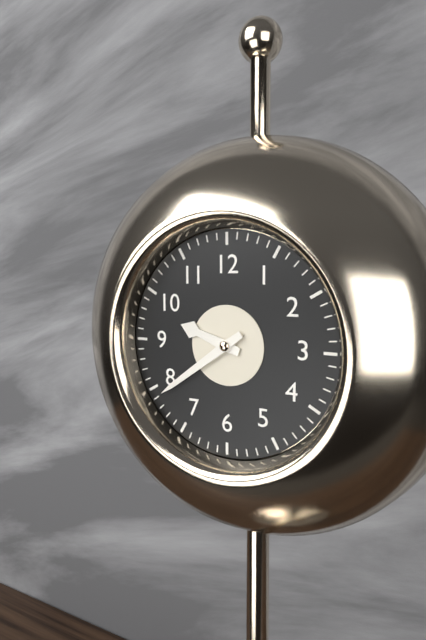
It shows 9h39
